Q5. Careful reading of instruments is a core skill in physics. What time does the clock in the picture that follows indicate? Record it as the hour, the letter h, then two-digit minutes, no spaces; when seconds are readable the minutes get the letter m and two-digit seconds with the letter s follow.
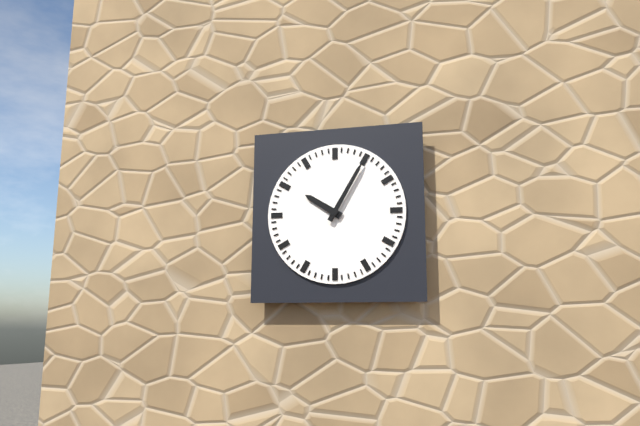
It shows 10h05
